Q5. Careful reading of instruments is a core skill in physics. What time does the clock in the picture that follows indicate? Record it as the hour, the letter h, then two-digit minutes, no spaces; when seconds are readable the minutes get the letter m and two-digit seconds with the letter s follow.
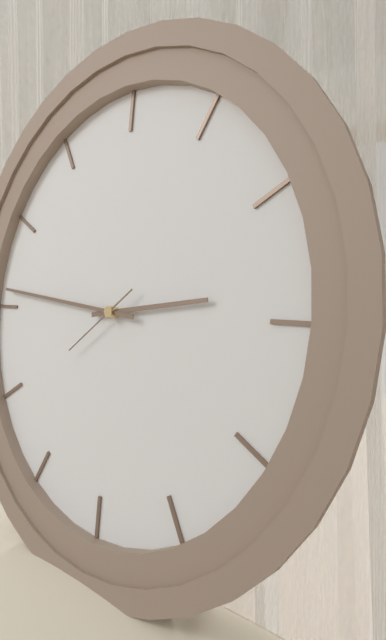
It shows 2h46m39s
